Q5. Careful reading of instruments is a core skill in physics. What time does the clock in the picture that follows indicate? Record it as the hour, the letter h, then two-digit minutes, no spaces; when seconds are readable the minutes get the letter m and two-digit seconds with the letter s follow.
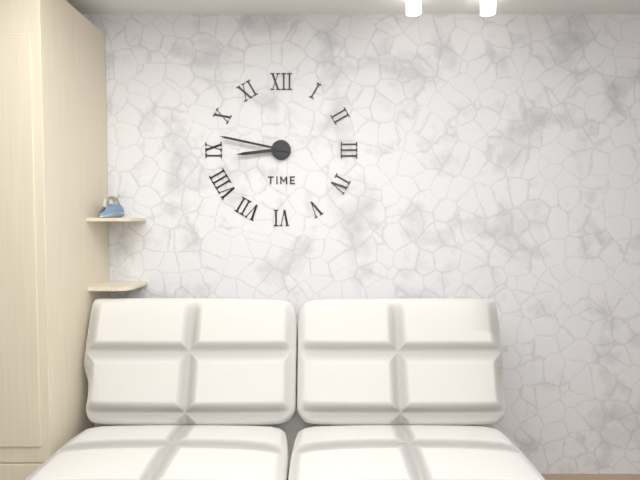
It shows 8h47
